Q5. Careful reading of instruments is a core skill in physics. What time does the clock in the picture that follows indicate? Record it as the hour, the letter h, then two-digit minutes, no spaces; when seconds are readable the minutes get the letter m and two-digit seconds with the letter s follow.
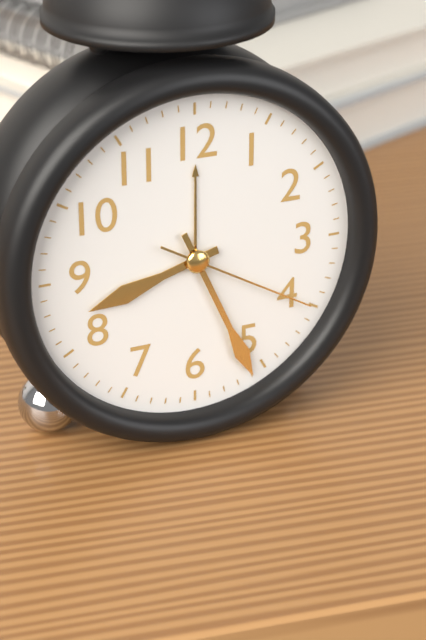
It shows 8h26m20s
